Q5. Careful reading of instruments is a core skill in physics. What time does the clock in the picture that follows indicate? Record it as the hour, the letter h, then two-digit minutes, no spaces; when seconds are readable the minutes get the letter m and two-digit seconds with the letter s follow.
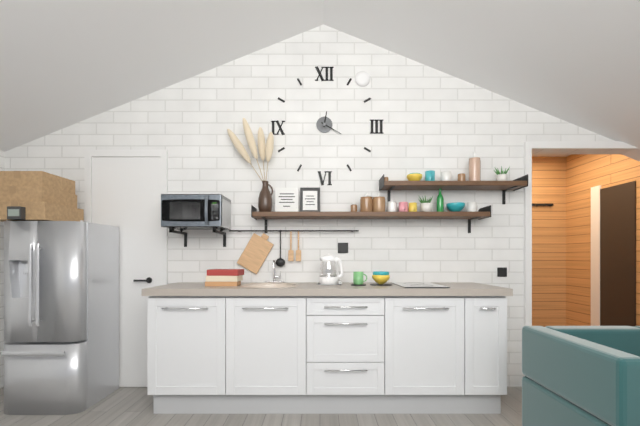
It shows 12h20
